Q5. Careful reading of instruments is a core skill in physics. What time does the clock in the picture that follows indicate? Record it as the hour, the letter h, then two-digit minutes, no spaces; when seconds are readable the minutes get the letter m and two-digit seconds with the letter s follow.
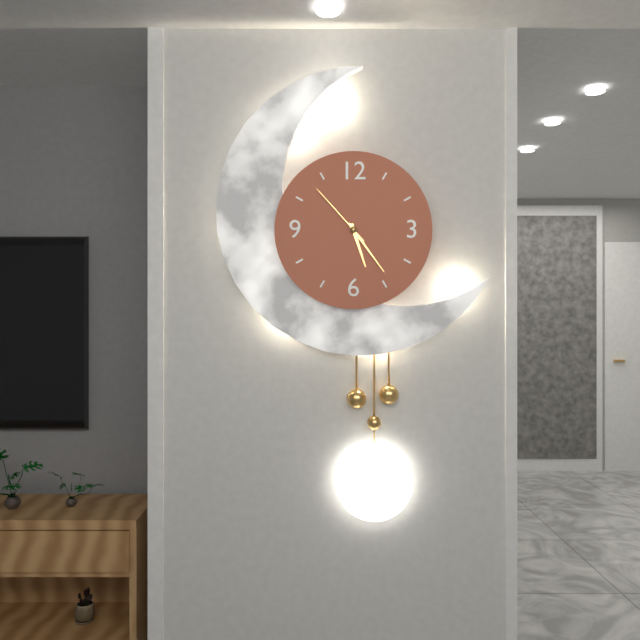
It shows 5h24m53s
